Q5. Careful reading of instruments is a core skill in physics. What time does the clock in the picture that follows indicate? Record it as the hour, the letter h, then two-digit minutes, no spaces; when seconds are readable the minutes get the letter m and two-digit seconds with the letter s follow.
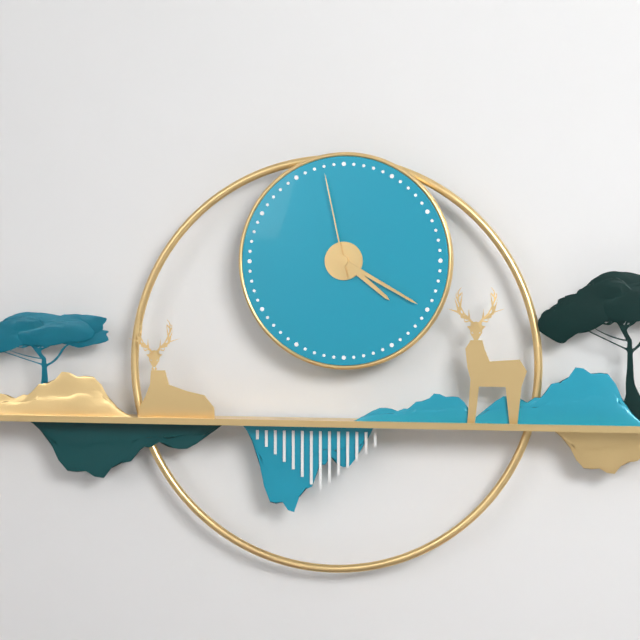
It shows 4h20m58s
